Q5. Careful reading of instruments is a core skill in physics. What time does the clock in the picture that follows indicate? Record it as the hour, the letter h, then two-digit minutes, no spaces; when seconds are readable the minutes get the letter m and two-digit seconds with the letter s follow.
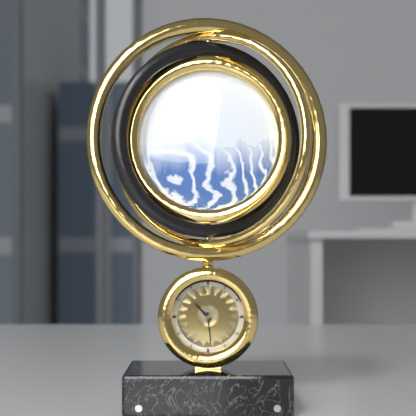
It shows 10h29
